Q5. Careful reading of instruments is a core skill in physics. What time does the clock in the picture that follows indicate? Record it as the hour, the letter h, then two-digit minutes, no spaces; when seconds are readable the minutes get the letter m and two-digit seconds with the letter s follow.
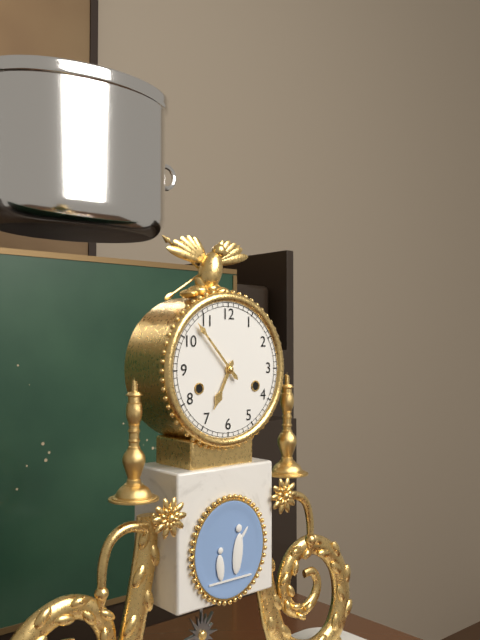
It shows 6h53
